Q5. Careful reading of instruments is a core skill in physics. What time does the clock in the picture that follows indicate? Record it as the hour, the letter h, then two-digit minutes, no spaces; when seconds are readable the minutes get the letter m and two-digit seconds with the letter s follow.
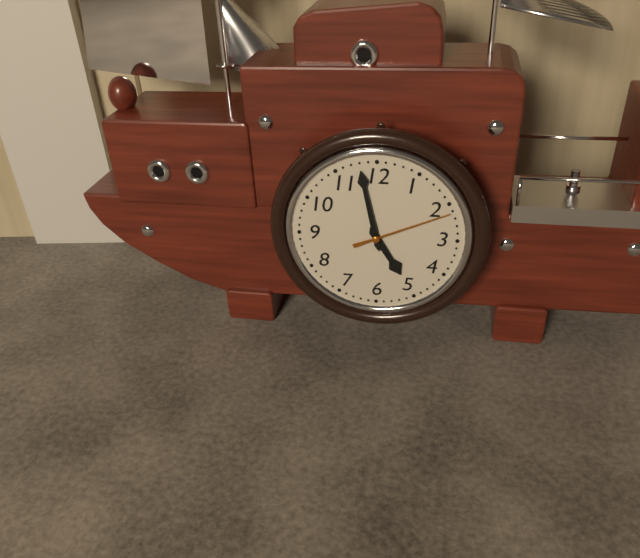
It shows 4h58m11s
